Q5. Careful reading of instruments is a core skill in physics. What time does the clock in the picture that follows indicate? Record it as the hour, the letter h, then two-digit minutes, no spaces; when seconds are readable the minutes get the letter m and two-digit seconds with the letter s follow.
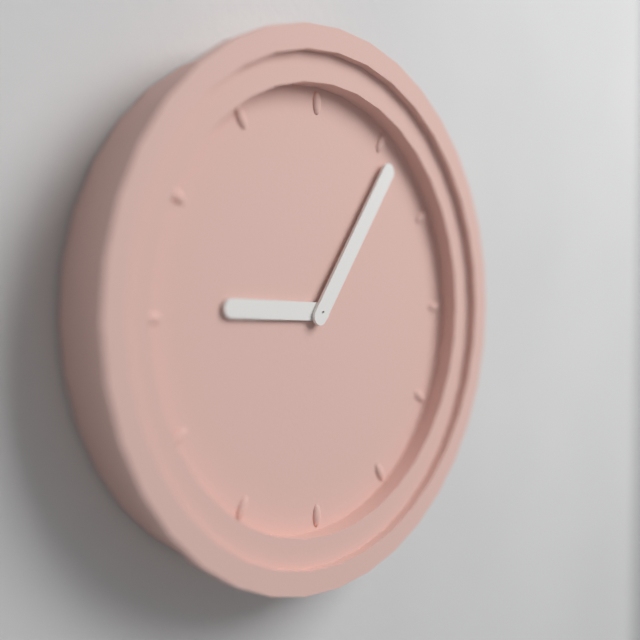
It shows 9h06
